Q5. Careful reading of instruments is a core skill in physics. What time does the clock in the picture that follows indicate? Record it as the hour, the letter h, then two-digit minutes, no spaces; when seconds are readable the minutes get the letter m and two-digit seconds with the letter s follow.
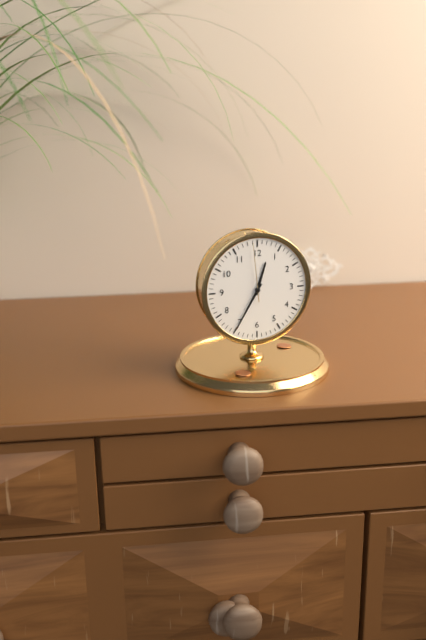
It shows 12h35m59s
